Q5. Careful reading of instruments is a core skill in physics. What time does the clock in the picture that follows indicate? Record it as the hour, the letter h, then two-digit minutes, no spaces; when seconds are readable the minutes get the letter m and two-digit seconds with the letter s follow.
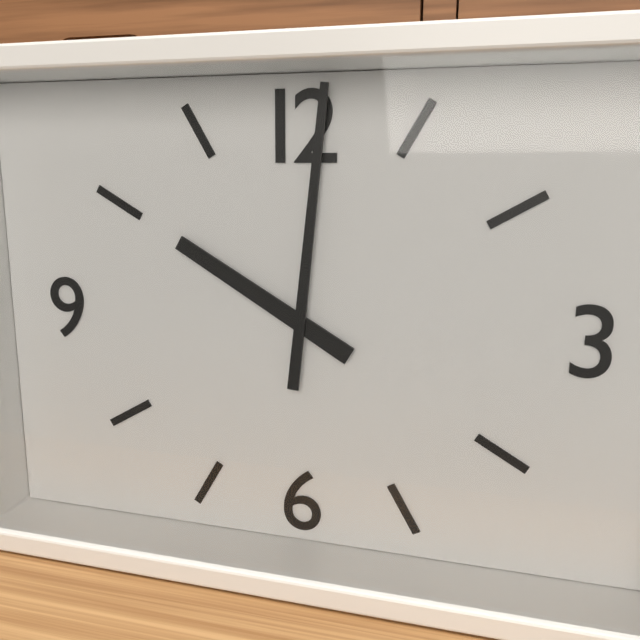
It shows 10h01
